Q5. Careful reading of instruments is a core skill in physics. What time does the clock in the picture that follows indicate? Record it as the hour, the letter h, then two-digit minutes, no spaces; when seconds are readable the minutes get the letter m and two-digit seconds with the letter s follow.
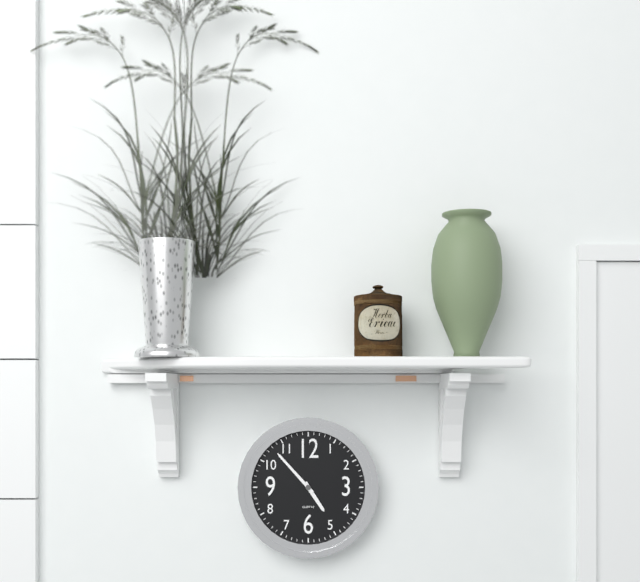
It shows 4h53
